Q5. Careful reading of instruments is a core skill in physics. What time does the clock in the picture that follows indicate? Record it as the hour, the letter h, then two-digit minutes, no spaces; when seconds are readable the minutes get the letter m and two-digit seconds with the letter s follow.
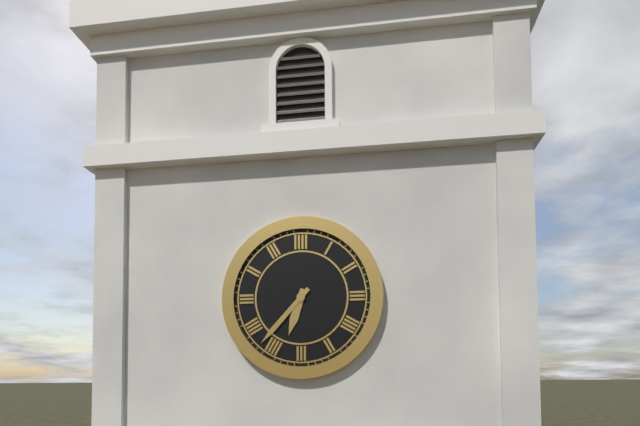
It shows 6h37
